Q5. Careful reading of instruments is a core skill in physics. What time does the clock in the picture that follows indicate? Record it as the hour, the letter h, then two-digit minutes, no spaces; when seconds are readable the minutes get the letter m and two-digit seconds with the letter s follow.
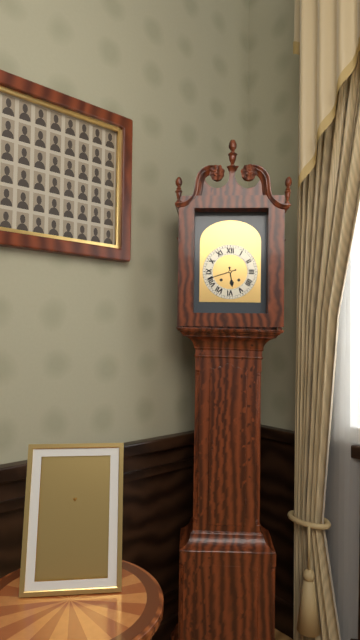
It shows 5h42
